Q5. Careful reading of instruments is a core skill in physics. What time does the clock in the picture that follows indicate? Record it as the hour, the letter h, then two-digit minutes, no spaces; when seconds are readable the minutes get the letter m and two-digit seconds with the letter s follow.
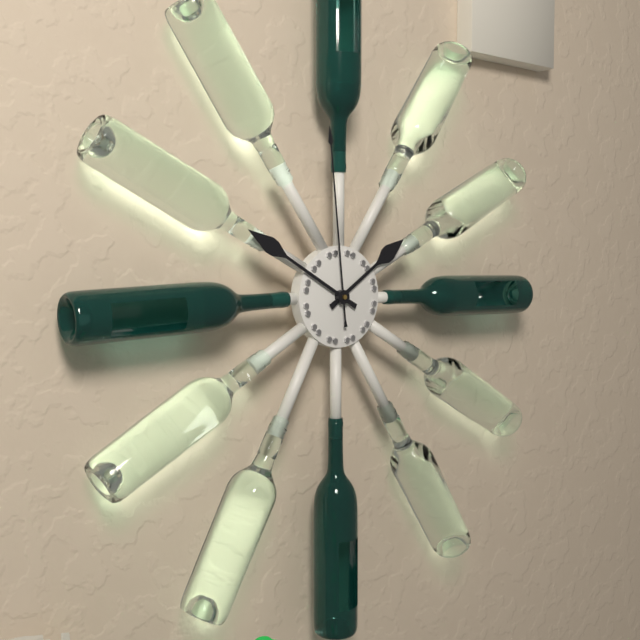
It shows 1h50m59s
